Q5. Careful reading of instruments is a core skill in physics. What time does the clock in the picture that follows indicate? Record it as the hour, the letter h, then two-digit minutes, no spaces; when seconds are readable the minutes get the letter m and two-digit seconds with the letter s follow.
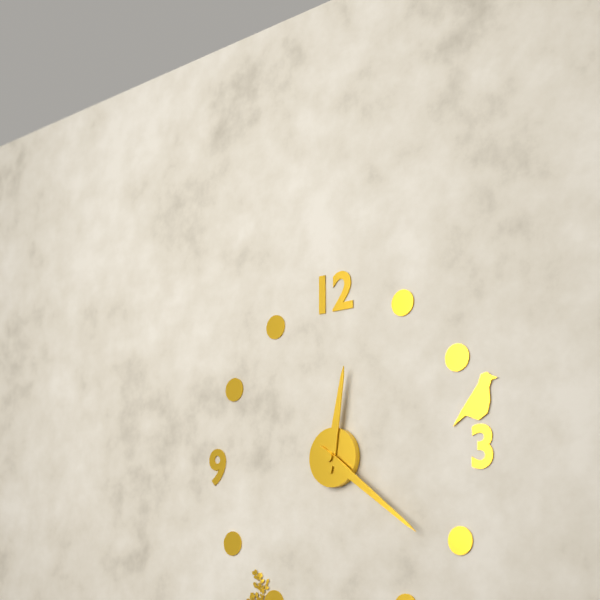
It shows 12h21
